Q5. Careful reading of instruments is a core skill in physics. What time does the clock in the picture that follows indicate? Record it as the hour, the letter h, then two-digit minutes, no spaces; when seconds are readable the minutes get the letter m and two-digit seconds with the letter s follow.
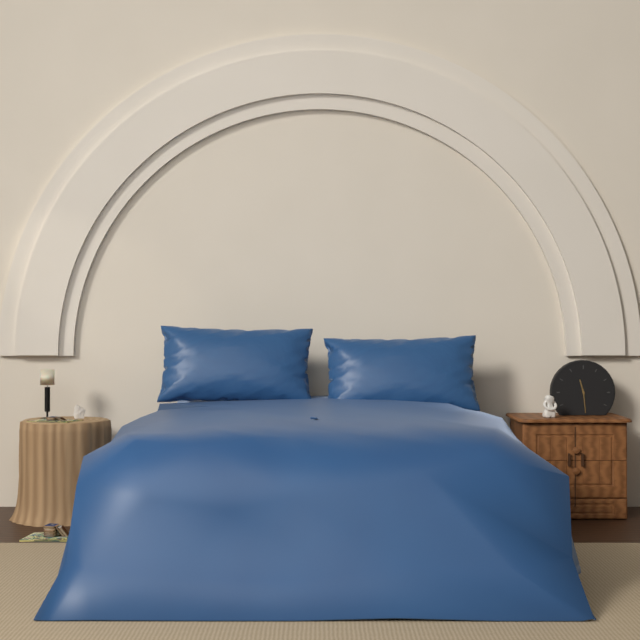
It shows 11h29
